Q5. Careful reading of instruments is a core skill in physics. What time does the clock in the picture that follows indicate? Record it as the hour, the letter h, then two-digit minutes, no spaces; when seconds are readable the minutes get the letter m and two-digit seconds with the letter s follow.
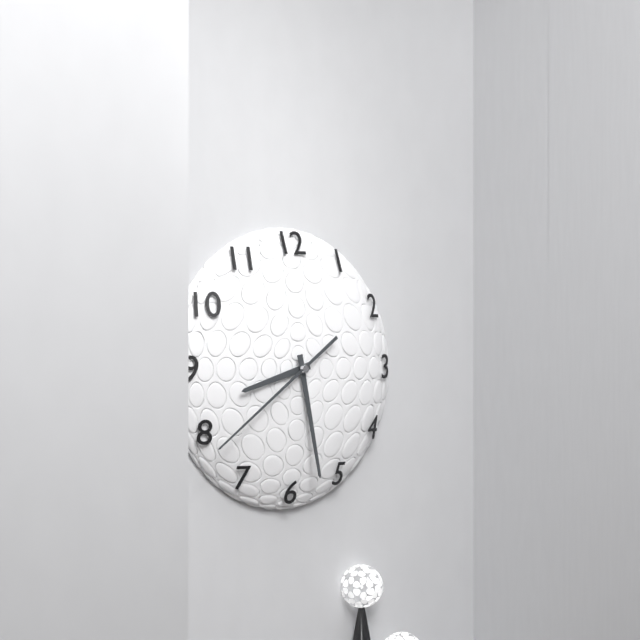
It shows 8h28m39s
